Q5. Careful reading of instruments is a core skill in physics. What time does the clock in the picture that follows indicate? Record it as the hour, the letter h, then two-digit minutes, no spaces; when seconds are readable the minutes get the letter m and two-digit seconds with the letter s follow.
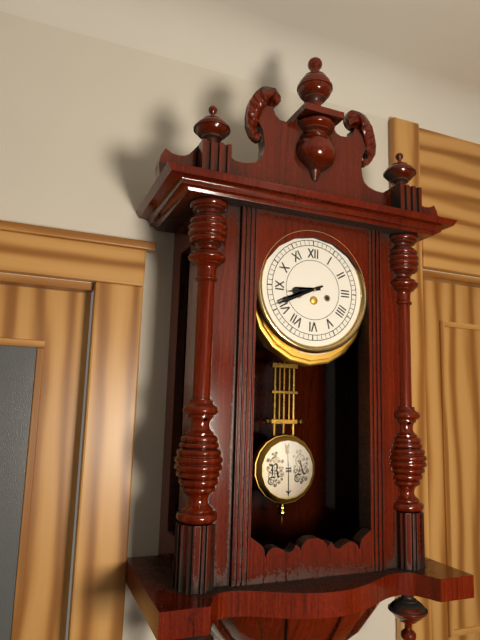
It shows 8h41
